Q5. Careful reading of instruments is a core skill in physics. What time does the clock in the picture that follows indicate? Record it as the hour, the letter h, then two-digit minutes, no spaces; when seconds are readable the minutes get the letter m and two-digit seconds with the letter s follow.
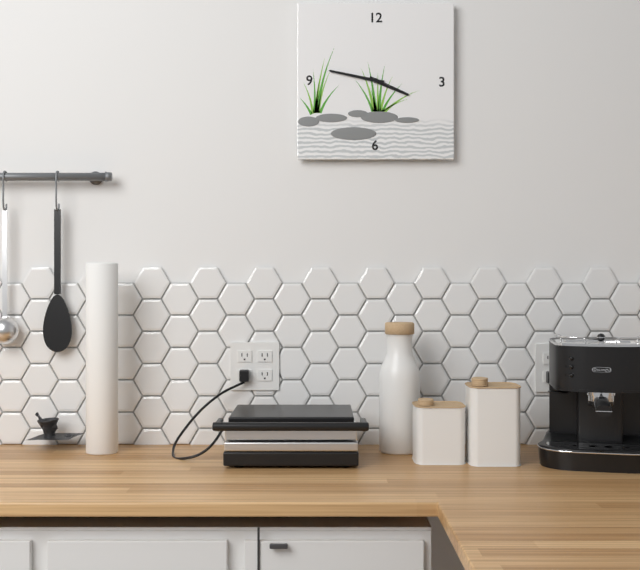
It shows 3h47
